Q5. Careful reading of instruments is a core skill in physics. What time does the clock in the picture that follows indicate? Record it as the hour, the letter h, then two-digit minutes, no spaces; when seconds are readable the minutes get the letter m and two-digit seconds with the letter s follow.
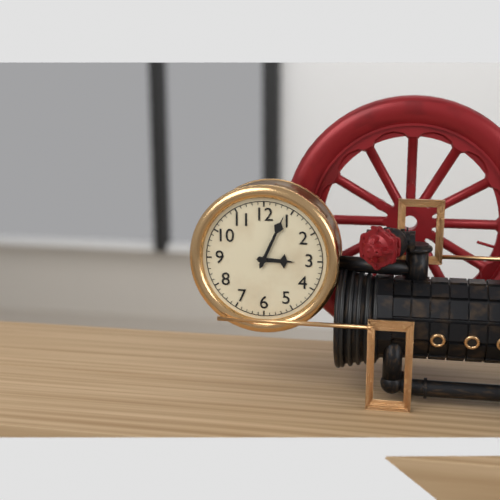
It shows 3h04
